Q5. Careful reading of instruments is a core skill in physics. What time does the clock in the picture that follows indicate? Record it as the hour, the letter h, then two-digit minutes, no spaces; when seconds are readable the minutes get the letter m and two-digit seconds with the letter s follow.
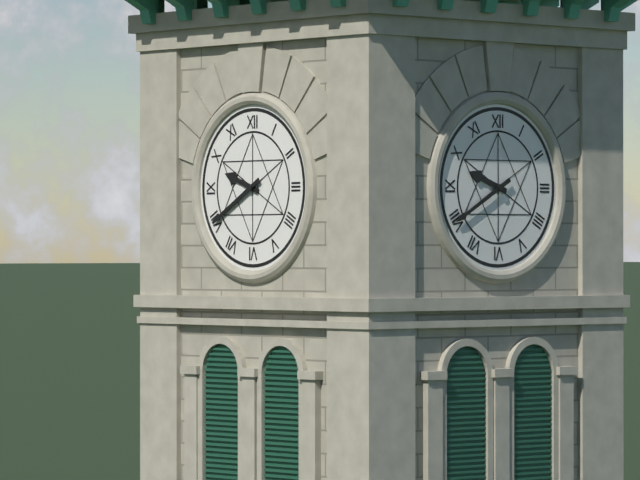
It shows 9h40
